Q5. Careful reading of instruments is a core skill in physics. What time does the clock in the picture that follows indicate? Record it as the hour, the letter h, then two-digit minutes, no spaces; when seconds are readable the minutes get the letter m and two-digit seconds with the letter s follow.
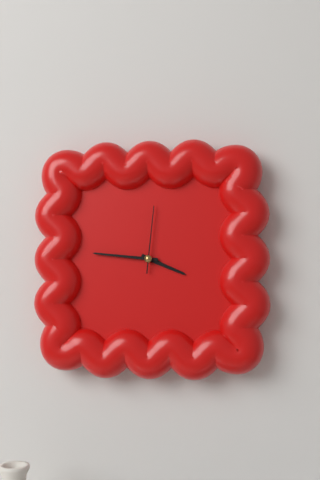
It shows 3h46m01s
